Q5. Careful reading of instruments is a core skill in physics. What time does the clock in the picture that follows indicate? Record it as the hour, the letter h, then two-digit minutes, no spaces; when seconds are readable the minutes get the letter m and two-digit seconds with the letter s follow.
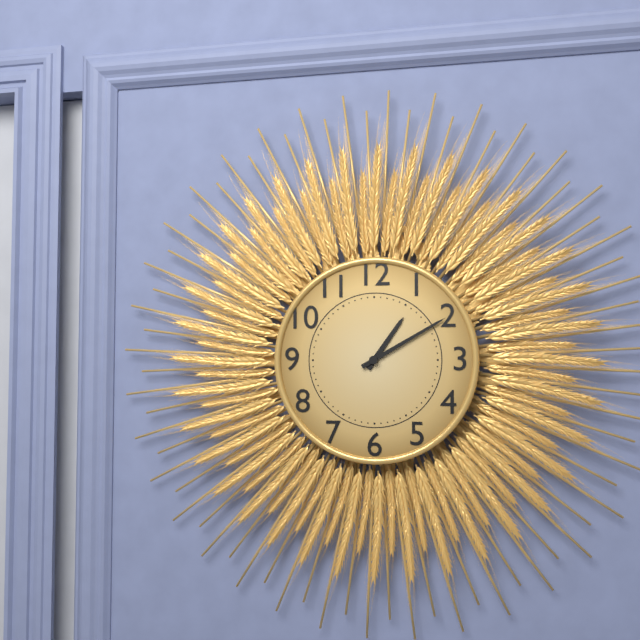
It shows 1h10
